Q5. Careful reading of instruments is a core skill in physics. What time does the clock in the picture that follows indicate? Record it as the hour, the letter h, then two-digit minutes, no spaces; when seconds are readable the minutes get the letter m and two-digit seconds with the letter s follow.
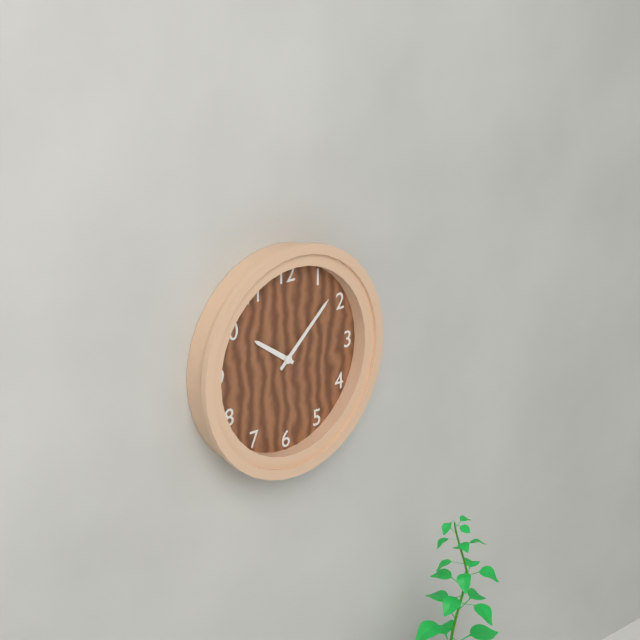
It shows 10h08
